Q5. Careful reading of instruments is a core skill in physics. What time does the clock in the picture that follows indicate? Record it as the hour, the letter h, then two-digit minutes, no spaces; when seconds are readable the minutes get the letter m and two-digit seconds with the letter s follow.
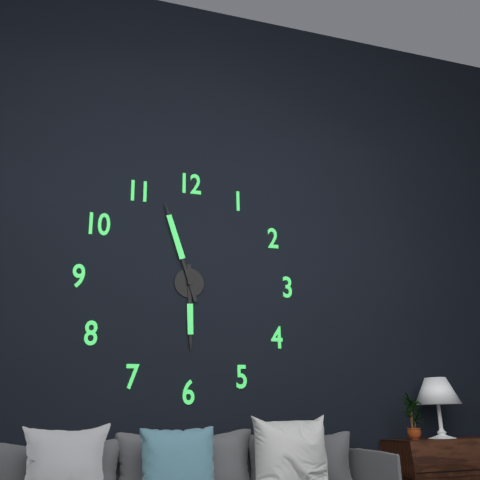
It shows 5h57
